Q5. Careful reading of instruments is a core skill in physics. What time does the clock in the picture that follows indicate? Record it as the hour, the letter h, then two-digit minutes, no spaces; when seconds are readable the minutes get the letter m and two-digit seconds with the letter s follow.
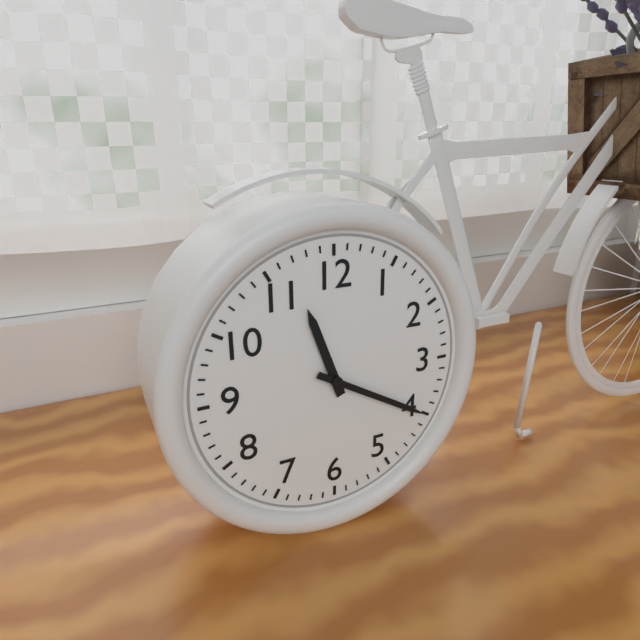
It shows 11h20
